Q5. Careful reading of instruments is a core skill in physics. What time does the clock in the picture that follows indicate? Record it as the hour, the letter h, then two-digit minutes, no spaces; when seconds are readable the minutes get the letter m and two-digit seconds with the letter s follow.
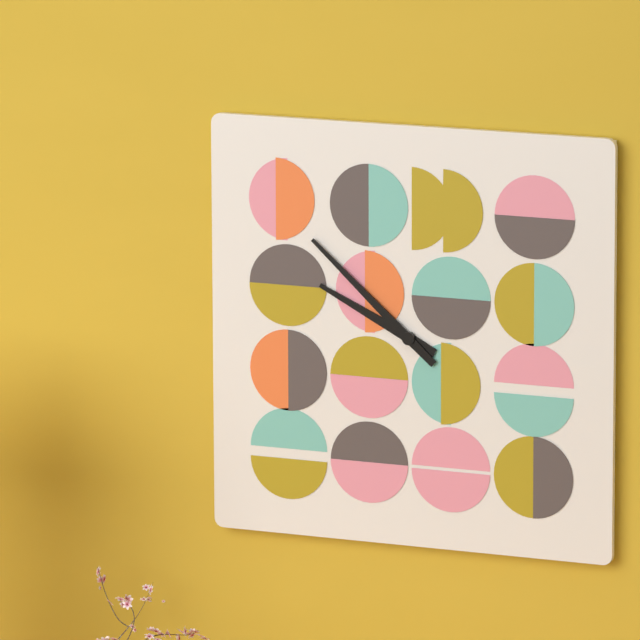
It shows 9h52
